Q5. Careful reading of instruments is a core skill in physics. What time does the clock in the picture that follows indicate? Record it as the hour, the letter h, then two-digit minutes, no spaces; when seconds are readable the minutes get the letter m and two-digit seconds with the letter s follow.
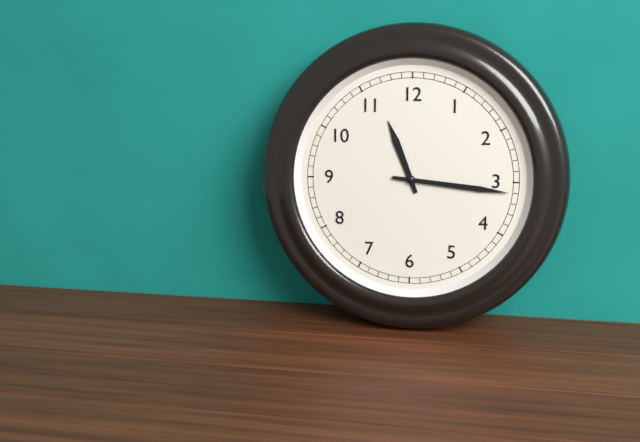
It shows 11h16
